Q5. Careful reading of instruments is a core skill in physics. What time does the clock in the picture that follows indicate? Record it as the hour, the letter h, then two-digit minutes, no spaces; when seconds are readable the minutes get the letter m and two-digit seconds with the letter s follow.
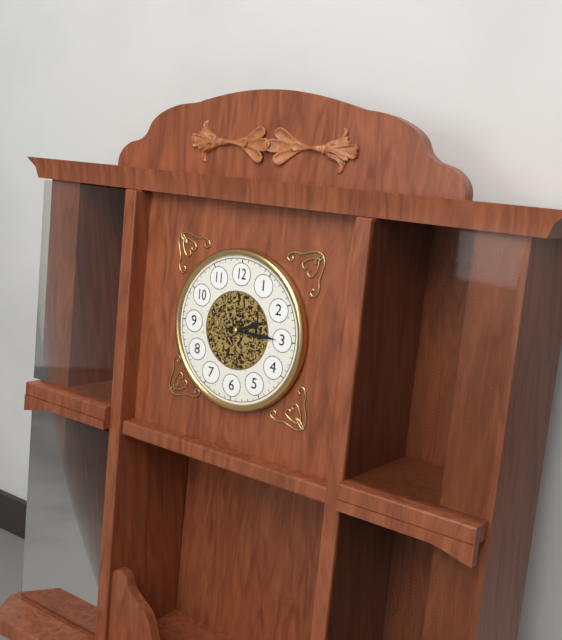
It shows 2h15
